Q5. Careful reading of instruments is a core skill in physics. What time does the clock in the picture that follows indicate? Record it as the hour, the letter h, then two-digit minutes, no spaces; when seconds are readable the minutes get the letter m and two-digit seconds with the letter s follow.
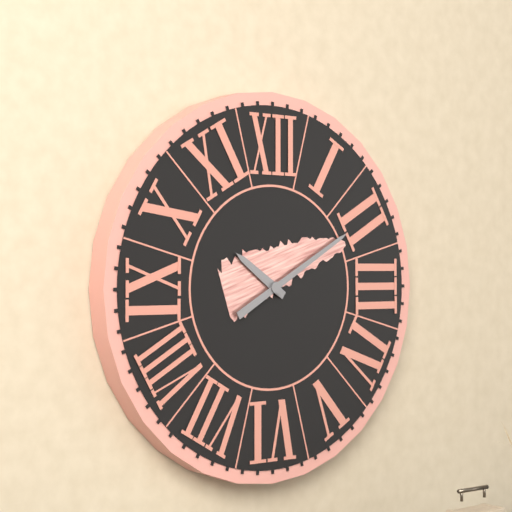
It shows 10h10
